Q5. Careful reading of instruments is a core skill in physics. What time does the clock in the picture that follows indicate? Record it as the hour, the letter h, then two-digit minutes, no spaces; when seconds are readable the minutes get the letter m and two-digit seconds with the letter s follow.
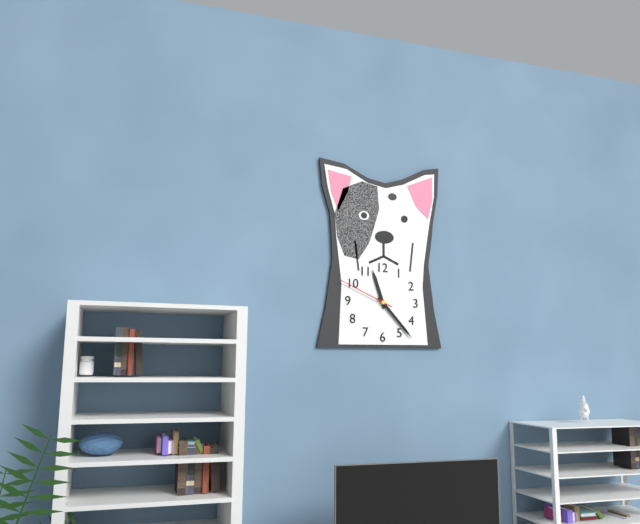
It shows 11h23m49s
